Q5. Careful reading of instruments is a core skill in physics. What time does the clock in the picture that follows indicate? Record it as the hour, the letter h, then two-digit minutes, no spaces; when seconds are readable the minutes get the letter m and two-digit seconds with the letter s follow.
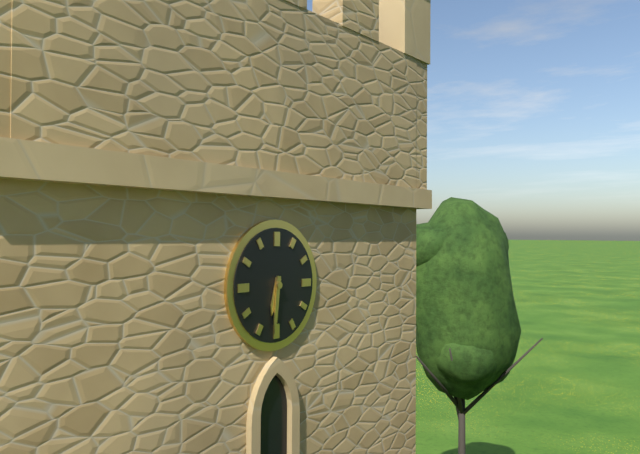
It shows 6h31
